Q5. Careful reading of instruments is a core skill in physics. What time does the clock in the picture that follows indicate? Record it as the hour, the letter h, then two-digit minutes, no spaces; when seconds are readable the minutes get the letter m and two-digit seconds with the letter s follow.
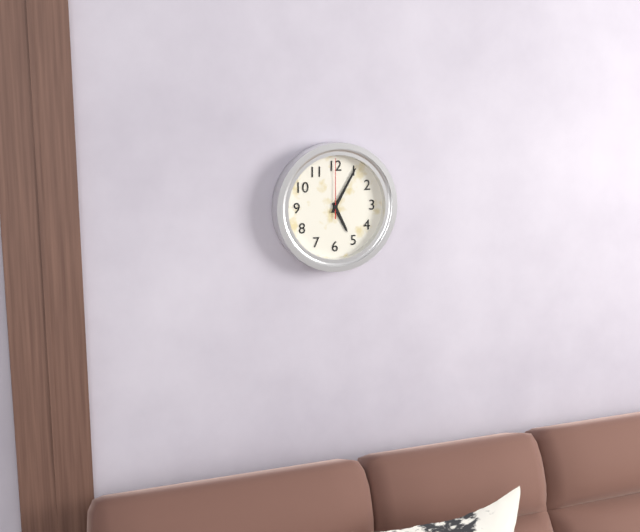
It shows 5h05m00s
